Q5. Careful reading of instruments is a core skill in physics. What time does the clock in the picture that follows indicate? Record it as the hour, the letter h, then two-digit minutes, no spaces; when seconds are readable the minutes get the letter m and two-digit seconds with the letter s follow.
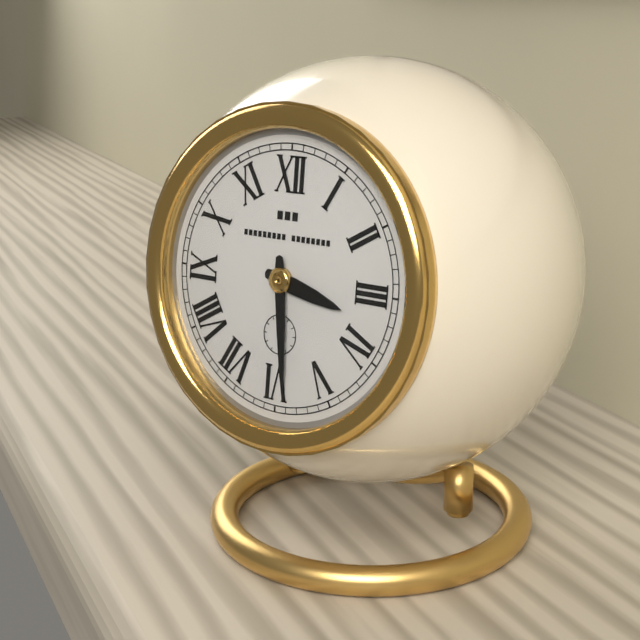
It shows 3h29
